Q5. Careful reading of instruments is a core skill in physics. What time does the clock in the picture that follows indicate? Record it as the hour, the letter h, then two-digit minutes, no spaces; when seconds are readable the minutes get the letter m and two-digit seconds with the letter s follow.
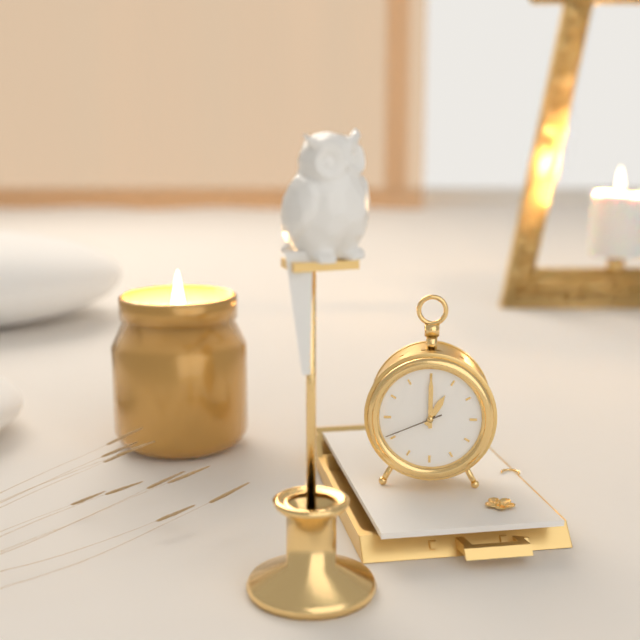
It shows 1h00m41s
